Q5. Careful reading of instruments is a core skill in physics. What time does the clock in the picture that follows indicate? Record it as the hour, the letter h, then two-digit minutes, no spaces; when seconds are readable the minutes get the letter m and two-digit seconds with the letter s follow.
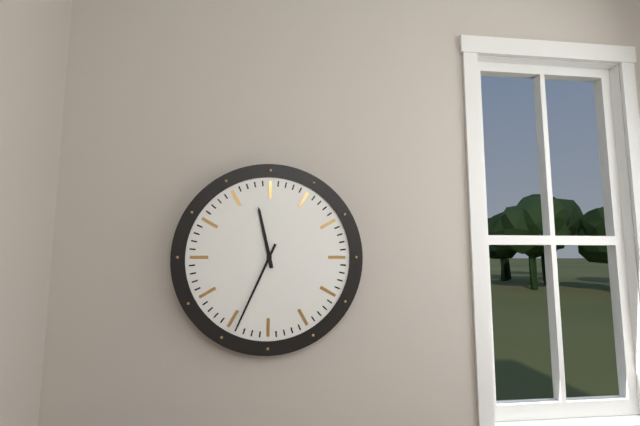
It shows 11h34
